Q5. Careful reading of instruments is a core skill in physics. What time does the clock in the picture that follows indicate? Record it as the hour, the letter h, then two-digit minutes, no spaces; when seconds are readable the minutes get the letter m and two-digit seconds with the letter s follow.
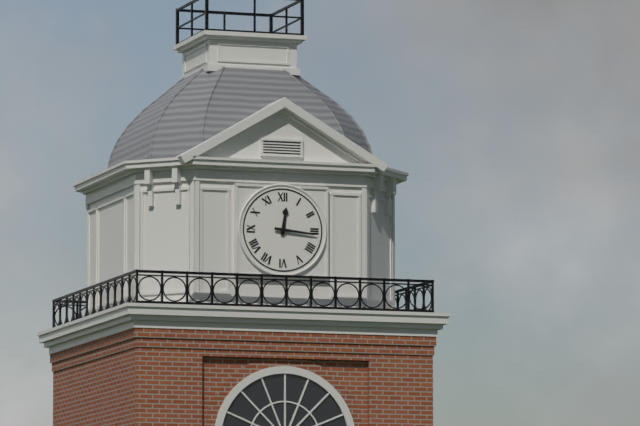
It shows 12h16
